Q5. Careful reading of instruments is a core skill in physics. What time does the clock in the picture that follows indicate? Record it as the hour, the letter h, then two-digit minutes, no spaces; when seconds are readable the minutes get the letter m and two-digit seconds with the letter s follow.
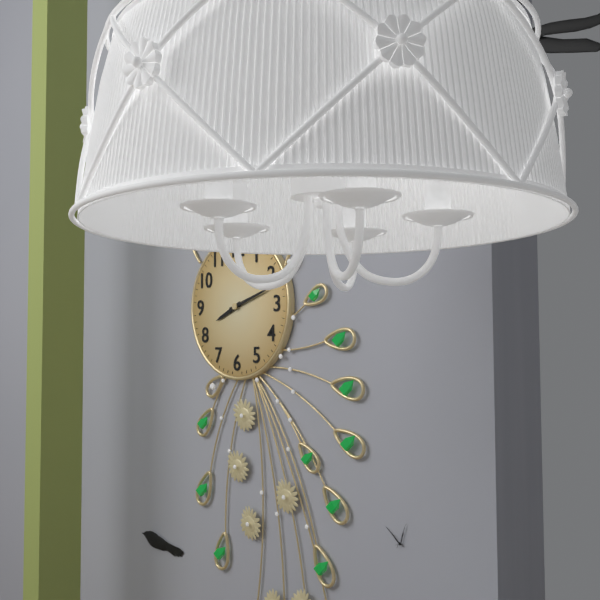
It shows 8h12
